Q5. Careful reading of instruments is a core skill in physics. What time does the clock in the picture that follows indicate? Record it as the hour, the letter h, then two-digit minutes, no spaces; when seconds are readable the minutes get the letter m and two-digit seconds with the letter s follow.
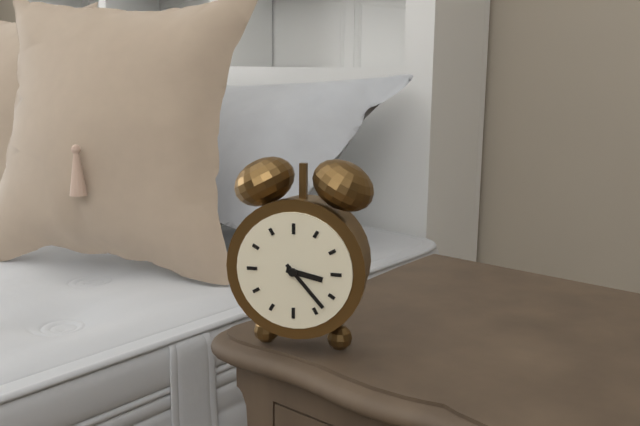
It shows 3h23
